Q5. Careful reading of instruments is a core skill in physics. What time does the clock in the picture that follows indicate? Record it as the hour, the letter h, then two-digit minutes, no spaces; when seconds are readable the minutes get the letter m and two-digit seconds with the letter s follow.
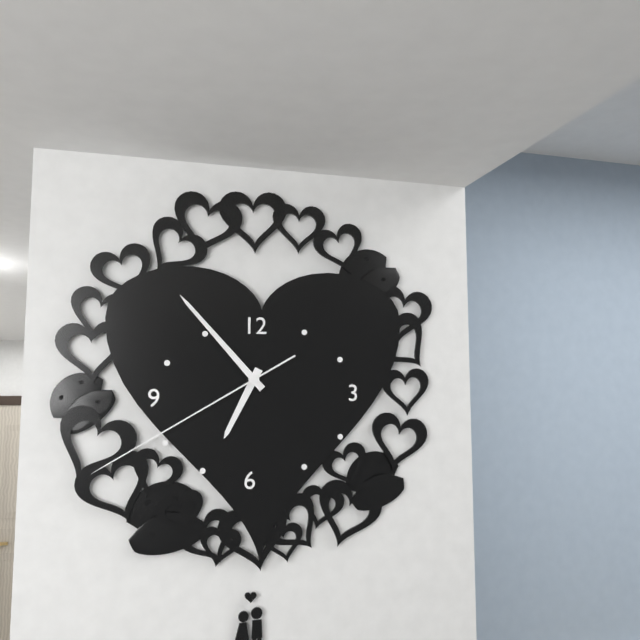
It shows 6h53m40s
